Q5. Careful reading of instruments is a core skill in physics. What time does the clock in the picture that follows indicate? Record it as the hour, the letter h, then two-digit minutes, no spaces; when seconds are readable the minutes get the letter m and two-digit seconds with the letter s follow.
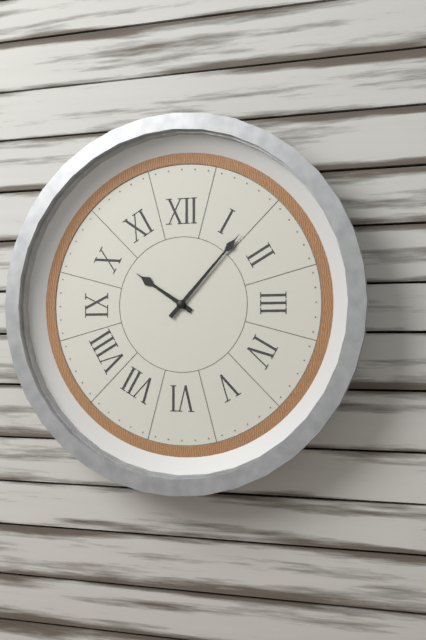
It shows 10h07
